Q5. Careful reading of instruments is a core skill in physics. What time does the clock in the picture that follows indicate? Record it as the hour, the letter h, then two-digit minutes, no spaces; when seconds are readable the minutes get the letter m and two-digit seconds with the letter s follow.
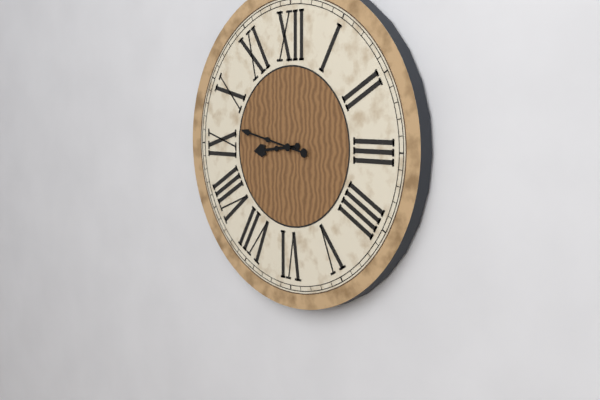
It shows 8h47
